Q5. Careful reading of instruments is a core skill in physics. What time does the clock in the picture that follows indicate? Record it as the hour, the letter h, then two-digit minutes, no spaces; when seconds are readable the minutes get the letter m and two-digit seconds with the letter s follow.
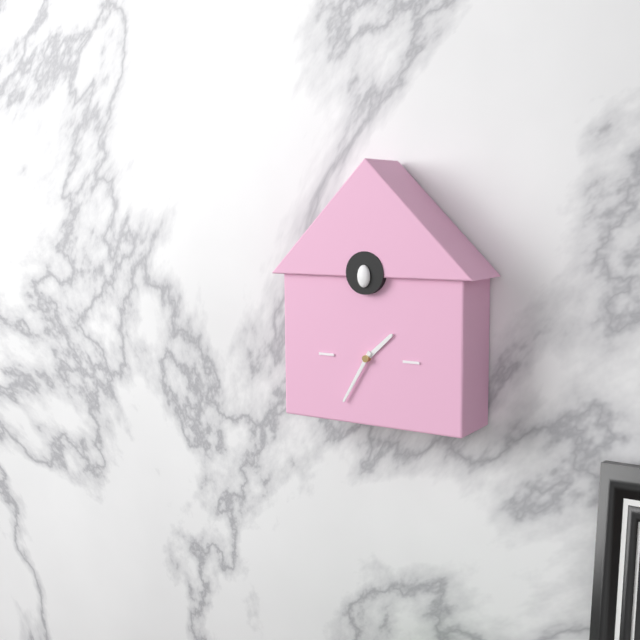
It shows 1h35
